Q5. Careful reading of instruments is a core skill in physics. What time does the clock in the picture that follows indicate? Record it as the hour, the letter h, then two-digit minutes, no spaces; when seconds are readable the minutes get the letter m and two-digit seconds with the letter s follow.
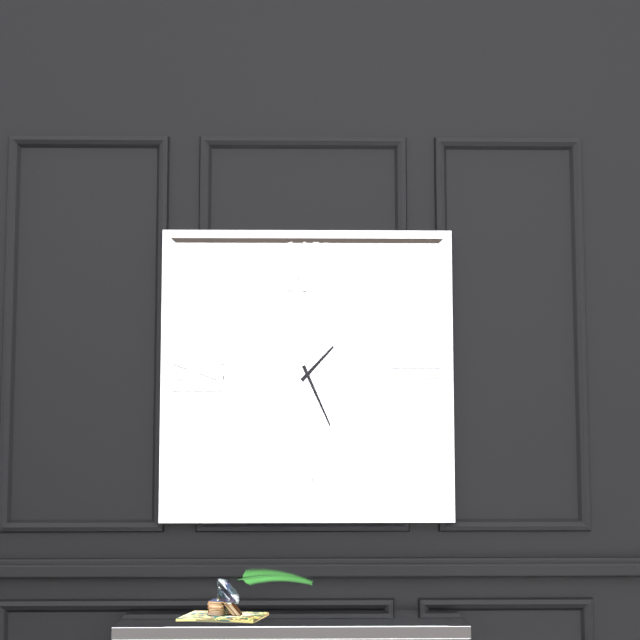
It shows 1h26
